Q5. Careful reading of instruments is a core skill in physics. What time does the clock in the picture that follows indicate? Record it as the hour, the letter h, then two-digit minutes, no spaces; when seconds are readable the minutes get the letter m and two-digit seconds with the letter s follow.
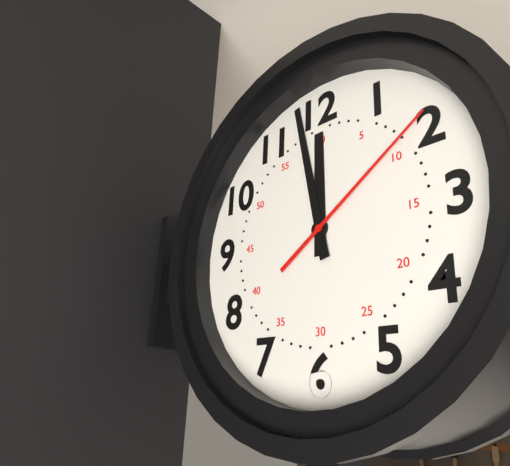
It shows 11h58m09s
